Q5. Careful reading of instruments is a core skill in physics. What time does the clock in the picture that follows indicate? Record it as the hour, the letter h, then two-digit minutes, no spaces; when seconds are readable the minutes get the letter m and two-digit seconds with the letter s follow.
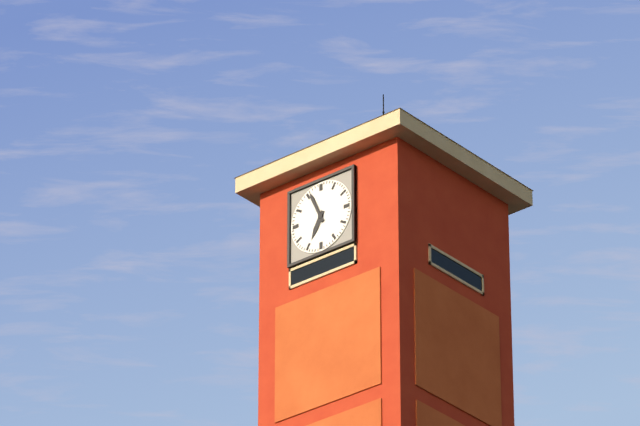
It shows 6h56
